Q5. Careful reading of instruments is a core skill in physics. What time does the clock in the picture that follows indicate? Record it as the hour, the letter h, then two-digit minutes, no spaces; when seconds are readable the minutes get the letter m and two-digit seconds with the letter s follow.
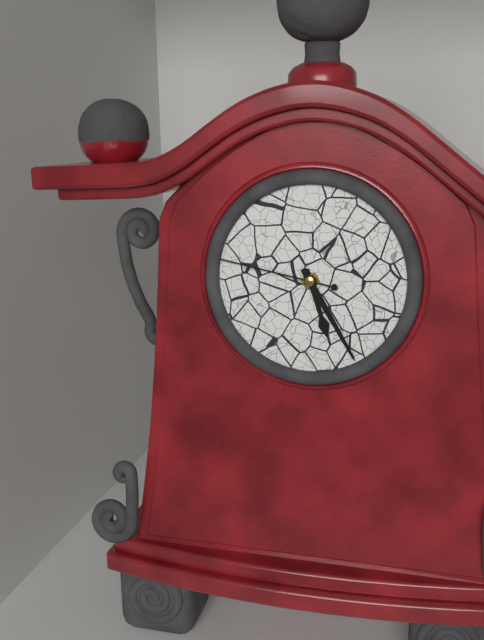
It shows 5h25m47s
